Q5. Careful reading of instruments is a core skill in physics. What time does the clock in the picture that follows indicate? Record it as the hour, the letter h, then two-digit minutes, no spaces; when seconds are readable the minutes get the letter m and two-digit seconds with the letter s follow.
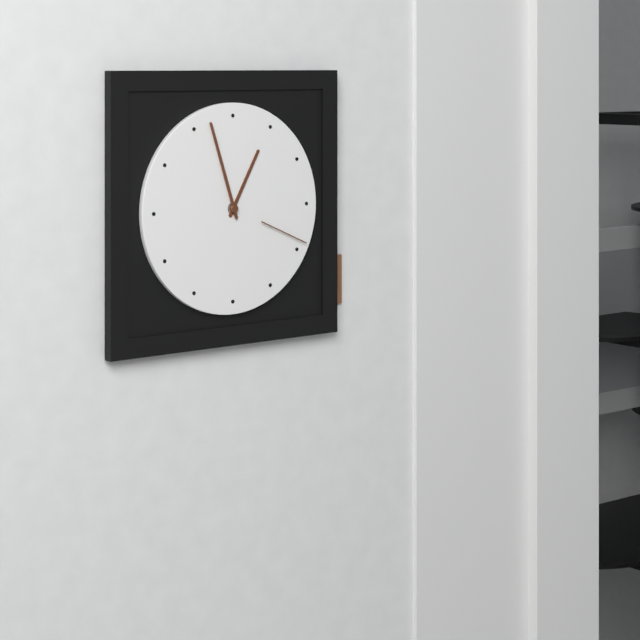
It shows 12h57m19s
